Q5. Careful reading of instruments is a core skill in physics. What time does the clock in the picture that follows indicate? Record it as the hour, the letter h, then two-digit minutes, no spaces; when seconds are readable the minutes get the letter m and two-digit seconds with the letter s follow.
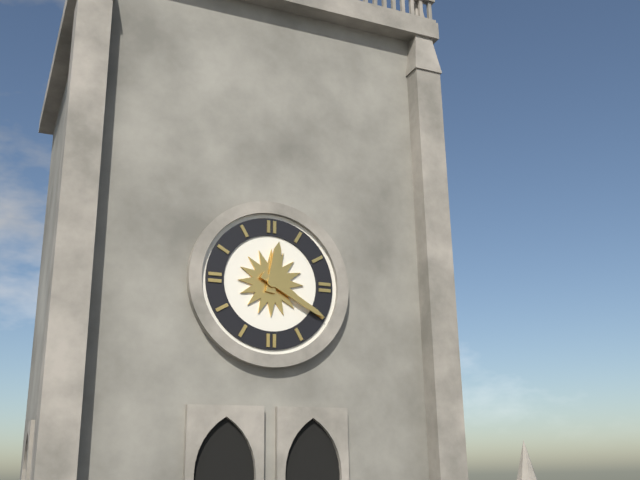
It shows 12h20
